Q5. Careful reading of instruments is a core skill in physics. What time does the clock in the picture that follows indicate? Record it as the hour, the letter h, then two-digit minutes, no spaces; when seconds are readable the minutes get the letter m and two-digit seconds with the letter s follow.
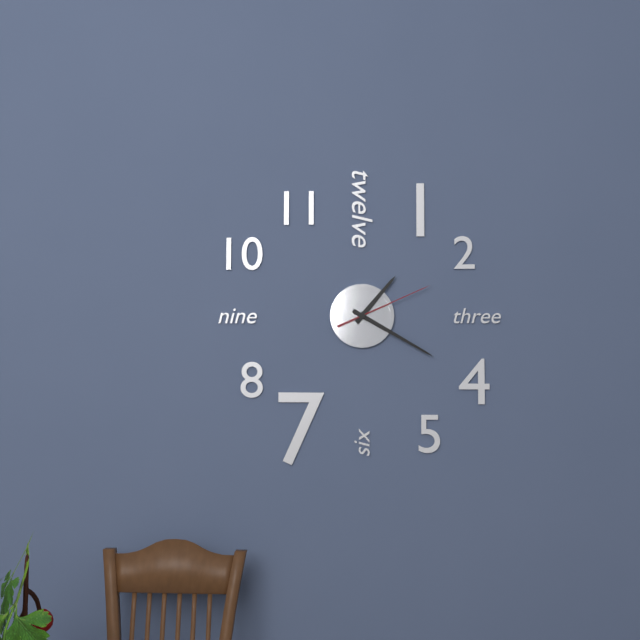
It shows 1h20m11s
